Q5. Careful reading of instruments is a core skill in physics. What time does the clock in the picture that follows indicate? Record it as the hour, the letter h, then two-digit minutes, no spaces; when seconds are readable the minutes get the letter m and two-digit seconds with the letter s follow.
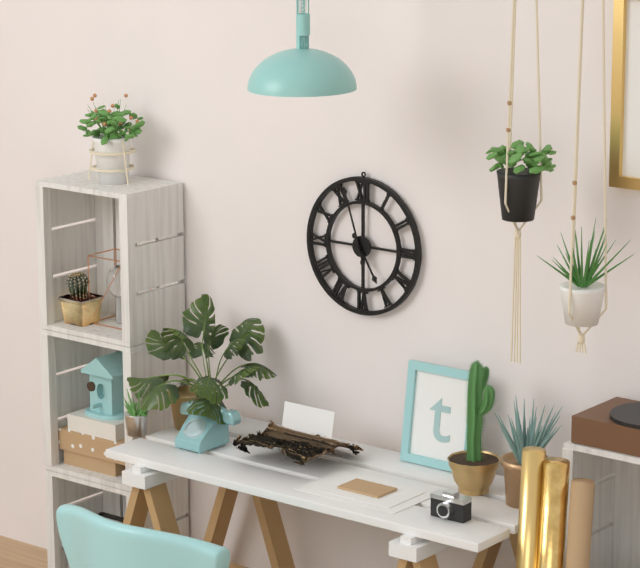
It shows 4h57
